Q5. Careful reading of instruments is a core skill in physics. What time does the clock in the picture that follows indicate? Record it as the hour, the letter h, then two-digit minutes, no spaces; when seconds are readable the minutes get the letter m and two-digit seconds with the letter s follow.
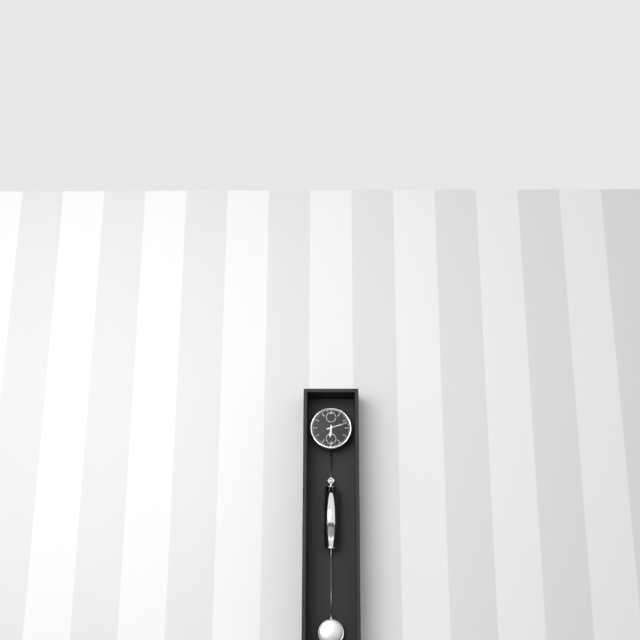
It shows 6h12
